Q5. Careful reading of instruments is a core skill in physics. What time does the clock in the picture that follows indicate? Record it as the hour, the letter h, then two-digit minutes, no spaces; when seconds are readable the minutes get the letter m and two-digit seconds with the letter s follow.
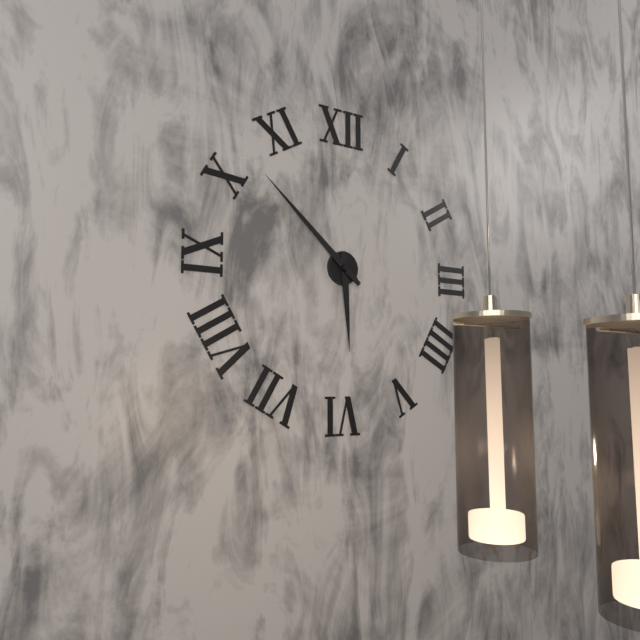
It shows 5h52
